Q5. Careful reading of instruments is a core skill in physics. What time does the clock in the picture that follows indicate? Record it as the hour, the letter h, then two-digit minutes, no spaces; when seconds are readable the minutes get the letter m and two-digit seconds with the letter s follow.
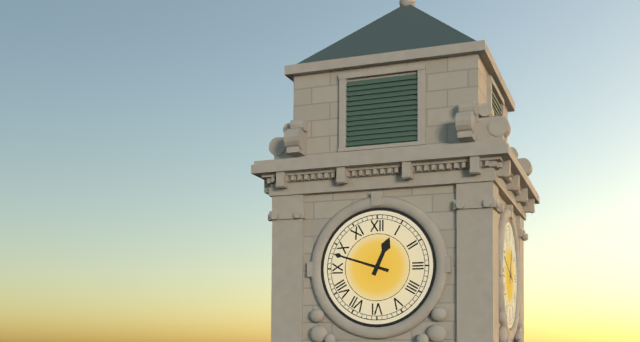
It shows 12h48
